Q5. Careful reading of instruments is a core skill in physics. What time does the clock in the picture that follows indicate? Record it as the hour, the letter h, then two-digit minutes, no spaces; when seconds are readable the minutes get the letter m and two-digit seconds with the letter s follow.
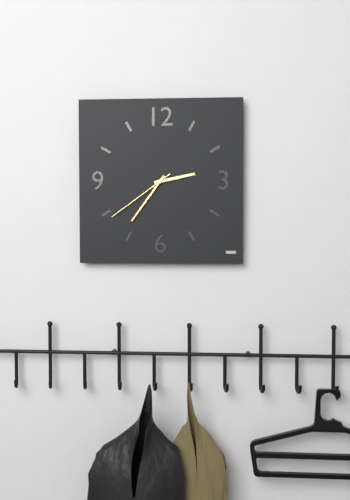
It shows 2h36m39s
